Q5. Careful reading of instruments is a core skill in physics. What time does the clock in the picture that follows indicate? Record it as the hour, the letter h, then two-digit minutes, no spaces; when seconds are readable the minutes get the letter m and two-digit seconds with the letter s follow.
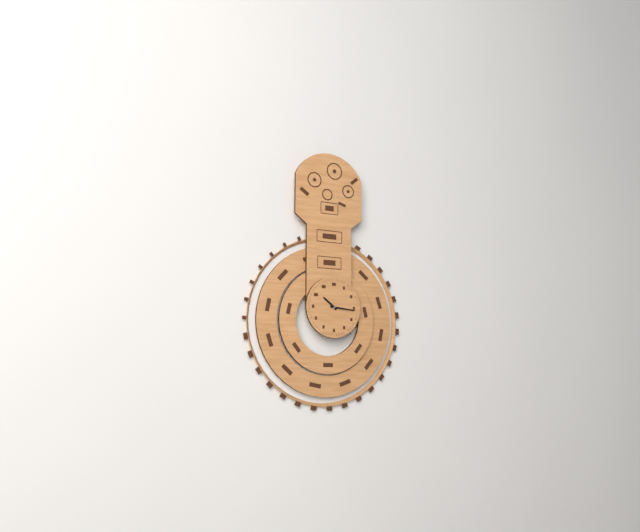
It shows 10h16
